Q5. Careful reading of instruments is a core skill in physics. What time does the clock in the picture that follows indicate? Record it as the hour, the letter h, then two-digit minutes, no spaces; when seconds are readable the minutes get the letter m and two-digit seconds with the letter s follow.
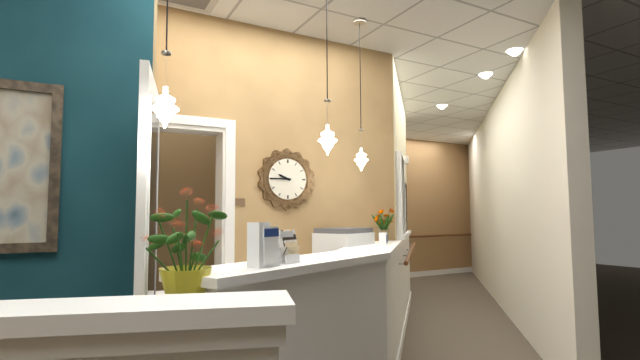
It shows 9h45
